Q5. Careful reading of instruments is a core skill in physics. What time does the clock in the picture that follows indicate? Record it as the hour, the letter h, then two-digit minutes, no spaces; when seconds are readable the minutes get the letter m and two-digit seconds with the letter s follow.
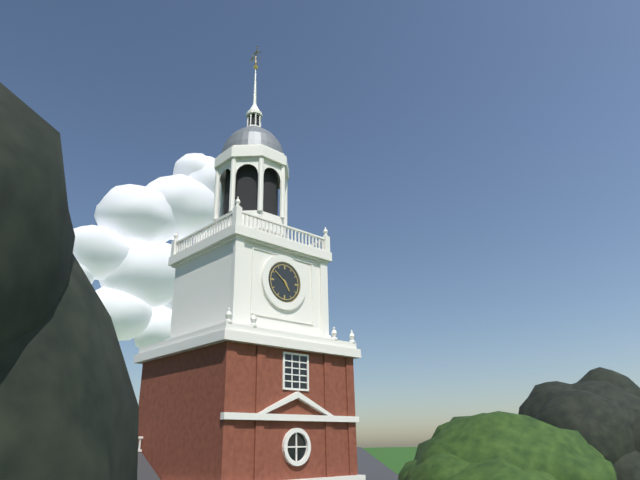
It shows 4h51
